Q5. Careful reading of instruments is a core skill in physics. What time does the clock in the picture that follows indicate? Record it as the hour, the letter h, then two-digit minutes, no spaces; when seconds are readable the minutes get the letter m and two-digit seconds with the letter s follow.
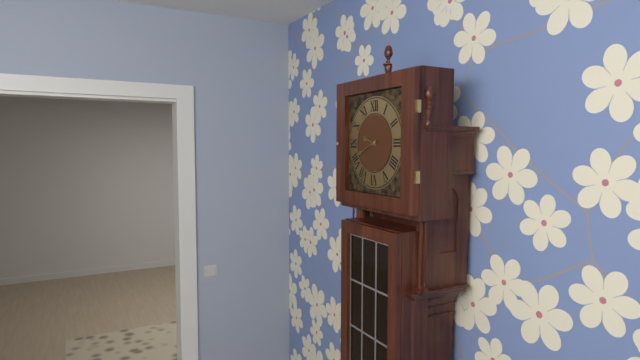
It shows 9h41
